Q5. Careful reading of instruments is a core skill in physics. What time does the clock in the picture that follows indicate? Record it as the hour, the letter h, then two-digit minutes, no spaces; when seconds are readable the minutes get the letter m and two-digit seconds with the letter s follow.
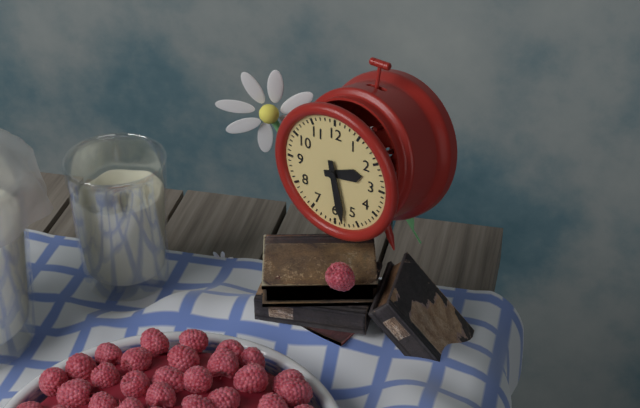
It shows 2h28
